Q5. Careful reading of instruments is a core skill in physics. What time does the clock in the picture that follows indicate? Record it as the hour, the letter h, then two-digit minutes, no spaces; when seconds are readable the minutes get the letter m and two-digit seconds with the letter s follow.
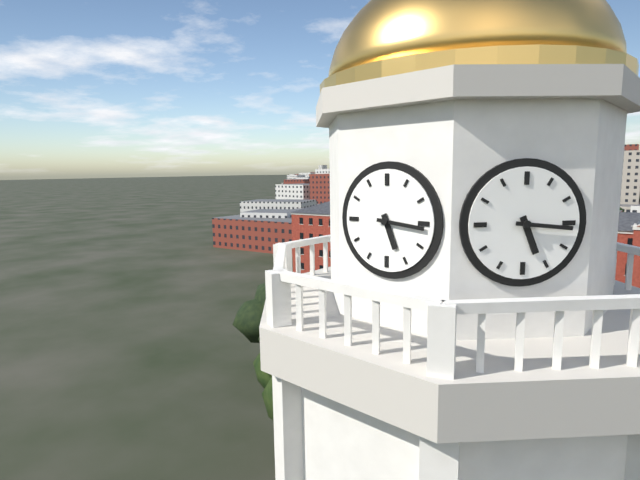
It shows 5h16
